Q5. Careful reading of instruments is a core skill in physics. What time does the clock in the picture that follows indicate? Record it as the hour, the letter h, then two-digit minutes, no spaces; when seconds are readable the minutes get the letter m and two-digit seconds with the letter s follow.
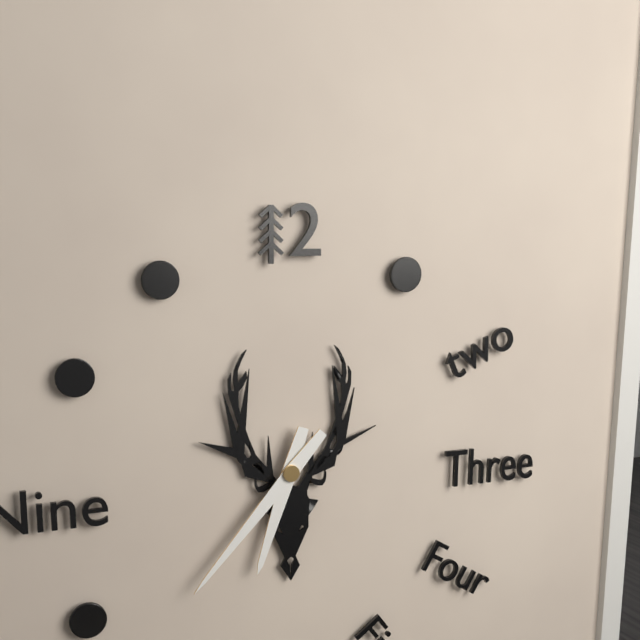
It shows 6h37
